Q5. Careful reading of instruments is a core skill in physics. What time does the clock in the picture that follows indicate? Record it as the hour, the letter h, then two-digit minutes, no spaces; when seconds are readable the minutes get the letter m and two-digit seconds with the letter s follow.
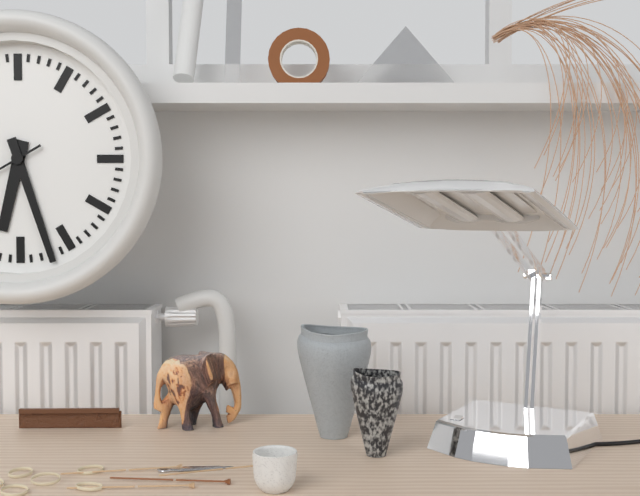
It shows 6h27
